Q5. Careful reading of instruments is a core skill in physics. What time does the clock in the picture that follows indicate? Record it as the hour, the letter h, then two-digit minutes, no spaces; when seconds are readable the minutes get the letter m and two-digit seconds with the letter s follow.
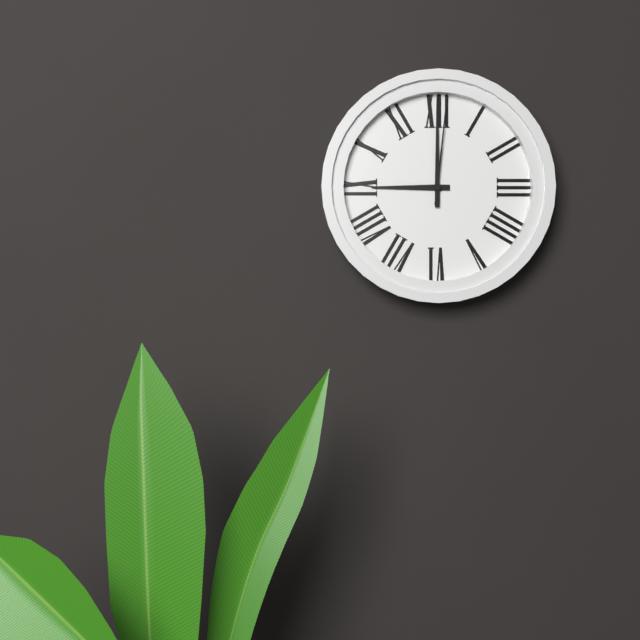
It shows 9h00m01s
